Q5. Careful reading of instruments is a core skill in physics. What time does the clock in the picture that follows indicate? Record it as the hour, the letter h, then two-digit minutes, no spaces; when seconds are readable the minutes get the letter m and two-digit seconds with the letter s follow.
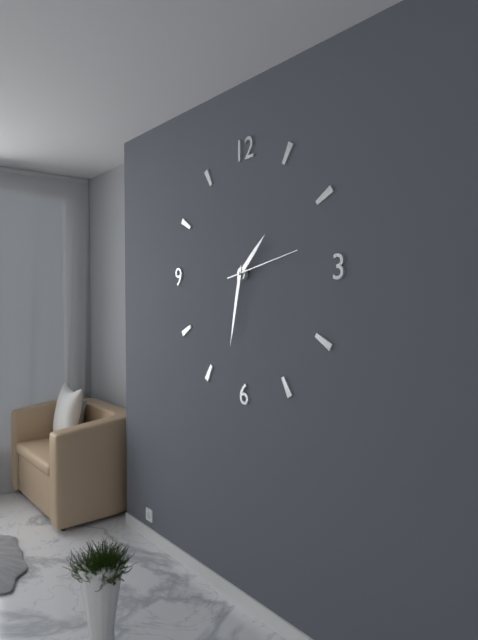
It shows 1h32m13s
